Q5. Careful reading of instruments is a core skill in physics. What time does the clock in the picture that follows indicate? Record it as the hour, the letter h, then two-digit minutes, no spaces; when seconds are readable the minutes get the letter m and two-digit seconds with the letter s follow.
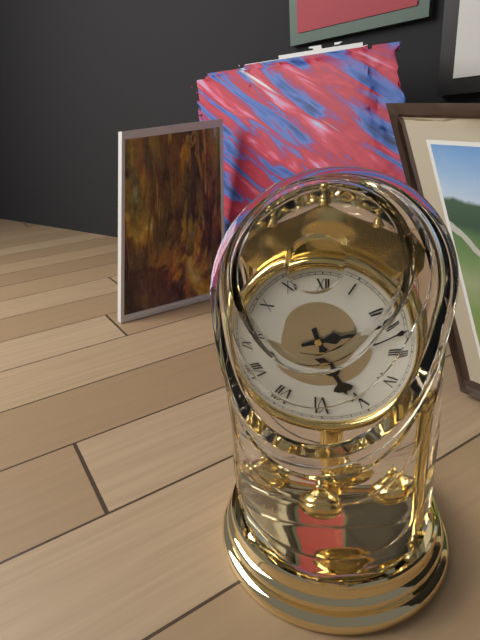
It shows 5h12
